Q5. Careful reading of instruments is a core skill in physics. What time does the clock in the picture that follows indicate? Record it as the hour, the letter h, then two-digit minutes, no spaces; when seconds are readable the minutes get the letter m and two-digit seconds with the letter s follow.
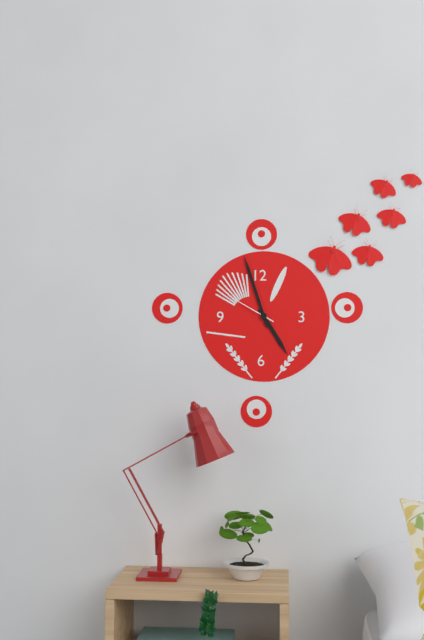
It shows 4h57
